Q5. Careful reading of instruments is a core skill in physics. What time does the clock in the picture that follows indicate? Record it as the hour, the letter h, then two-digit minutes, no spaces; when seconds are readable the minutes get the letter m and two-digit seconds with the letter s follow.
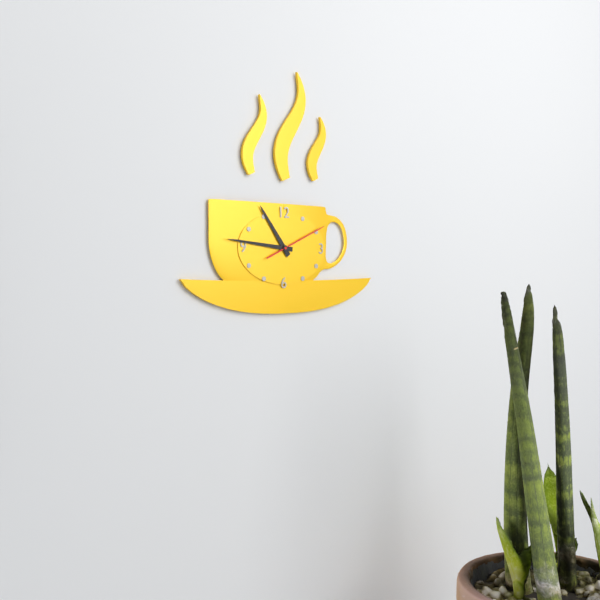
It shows 10h46m11s
